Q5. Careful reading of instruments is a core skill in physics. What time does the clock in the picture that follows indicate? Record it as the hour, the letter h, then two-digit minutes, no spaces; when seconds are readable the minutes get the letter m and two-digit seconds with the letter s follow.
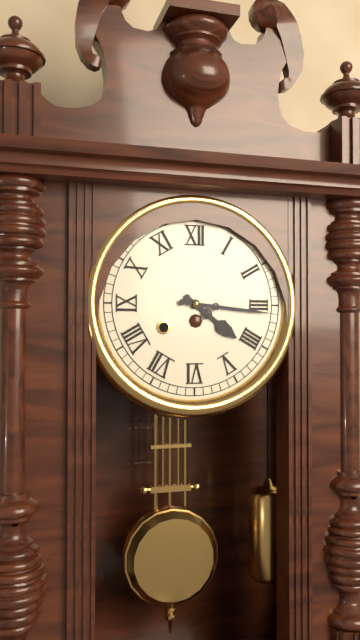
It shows 4h16
